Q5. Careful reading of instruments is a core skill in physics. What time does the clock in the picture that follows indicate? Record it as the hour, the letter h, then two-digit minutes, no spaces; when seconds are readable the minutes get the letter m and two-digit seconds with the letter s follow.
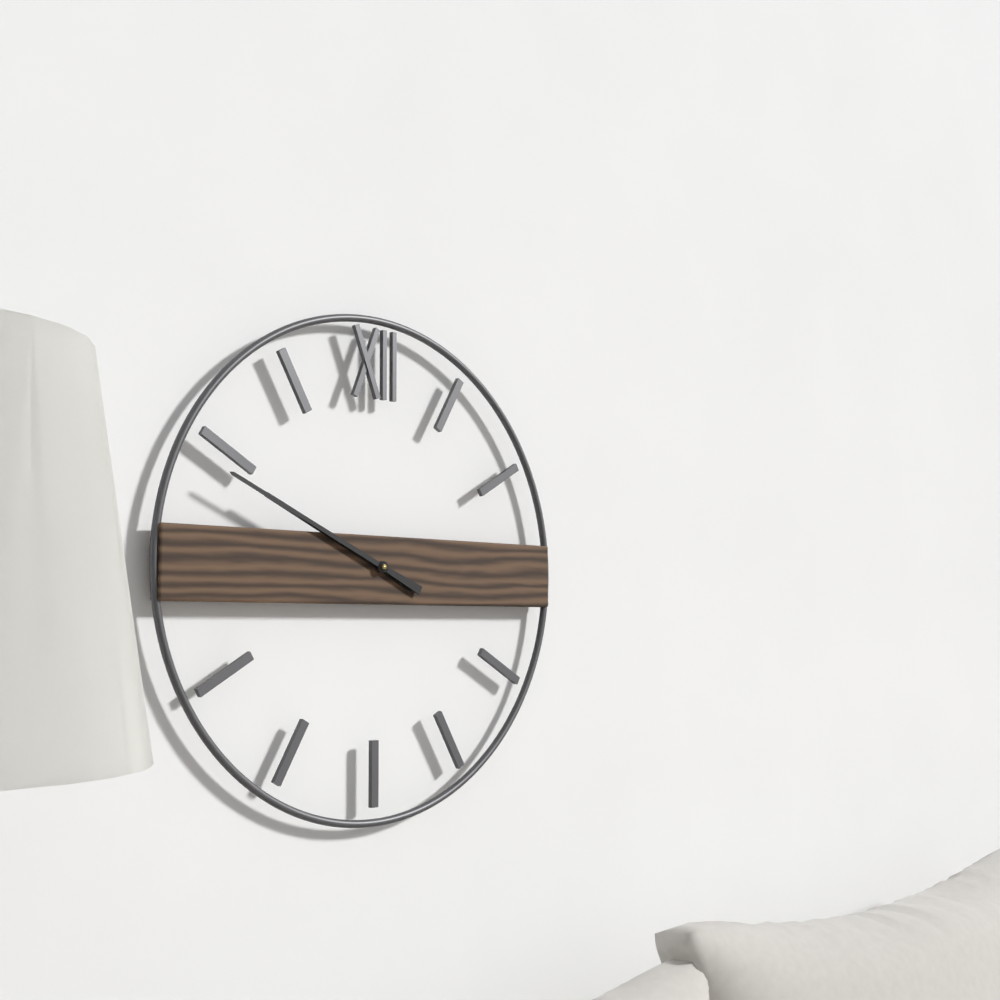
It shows 9h49
